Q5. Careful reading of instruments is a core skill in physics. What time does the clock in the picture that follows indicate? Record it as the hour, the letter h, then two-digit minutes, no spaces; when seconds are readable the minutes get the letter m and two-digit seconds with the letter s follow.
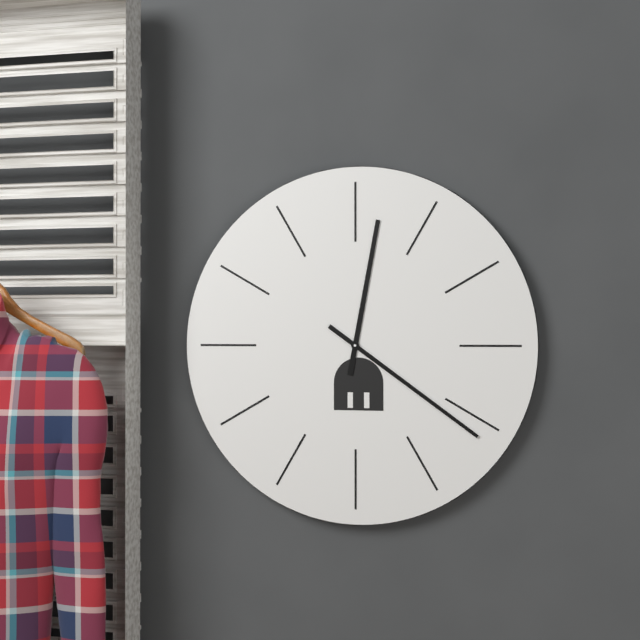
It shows 12h21
